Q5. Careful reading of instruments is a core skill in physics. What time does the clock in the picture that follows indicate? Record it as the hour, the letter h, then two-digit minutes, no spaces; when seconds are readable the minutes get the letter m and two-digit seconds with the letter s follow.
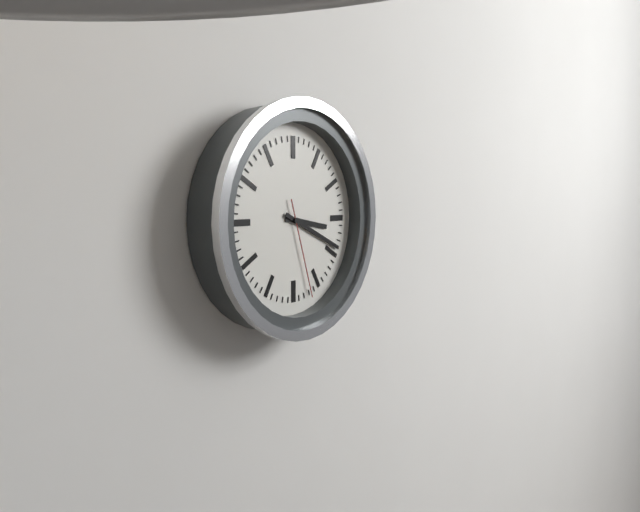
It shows 3h19m27s
